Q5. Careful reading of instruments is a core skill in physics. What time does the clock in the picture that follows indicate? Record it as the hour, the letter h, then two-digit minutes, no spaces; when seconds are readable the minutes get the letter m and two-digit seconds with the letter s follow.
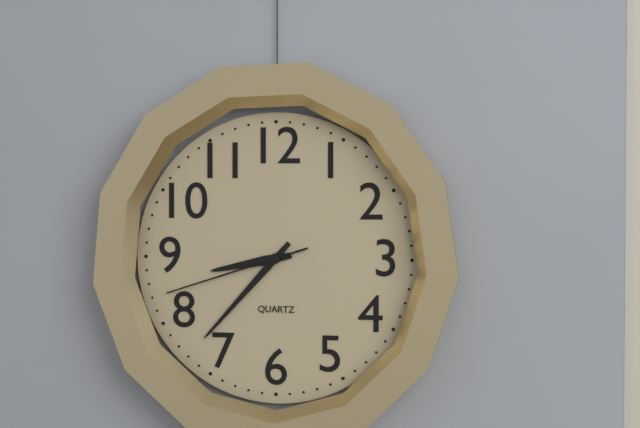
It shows 8h37m42s
